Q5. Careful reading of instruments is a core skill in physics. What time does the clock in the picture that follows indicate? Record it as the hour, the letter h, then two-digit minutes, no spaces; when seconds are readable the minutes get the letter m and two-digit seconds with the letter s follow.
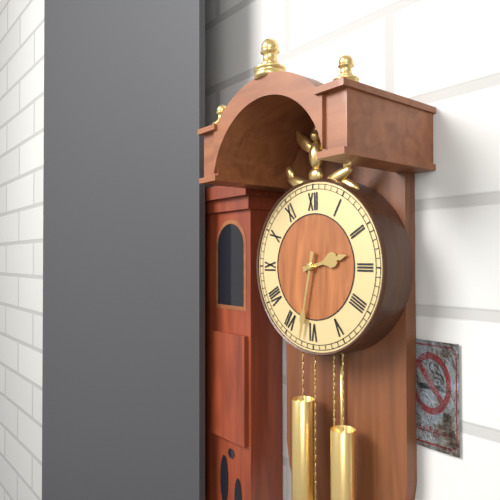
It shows 2h32
